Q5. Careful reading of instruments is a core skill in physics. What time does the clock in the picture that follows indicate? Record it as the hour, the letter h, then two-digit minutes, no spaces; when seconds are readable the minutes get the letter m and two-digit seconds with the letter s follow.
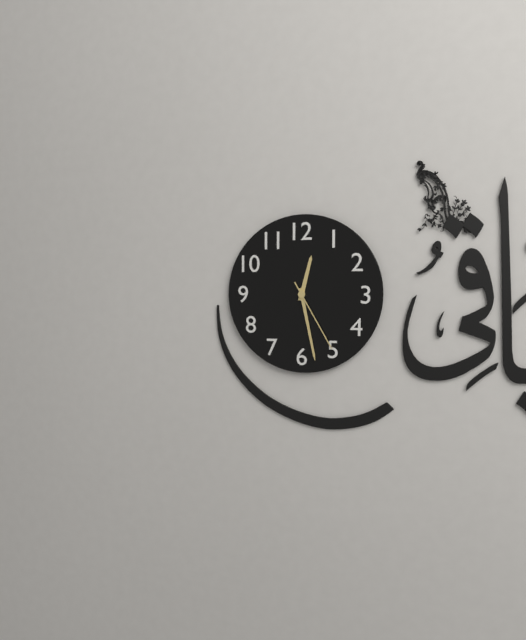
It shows 12h28m25s
